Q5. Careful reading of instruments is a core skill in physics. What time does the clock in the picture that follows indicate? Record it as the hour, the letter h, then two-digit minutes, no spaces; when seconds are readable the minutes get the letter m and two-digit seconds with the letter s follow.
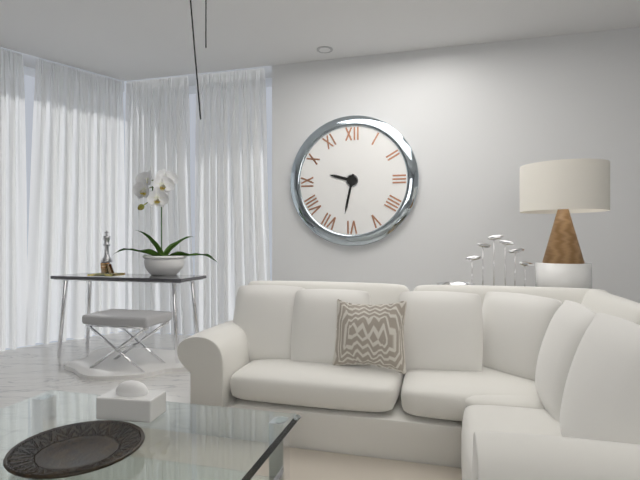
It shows 9h32
